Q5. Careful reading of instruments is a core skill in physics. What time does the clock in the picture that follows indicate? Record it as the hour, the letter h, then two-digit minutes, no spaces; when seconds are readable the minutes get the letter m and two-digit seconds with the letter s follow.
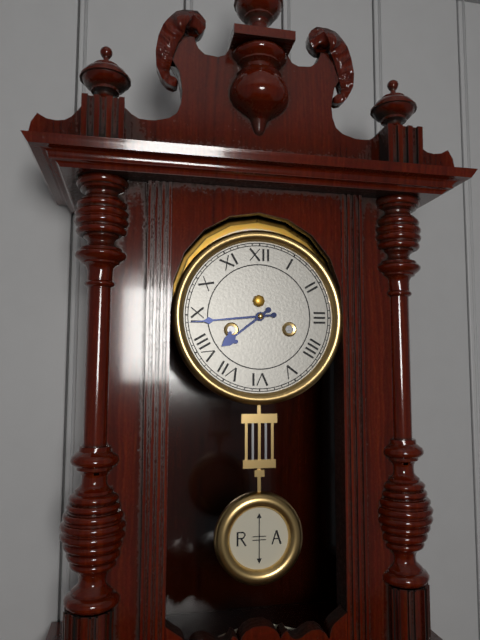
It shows 7h44
